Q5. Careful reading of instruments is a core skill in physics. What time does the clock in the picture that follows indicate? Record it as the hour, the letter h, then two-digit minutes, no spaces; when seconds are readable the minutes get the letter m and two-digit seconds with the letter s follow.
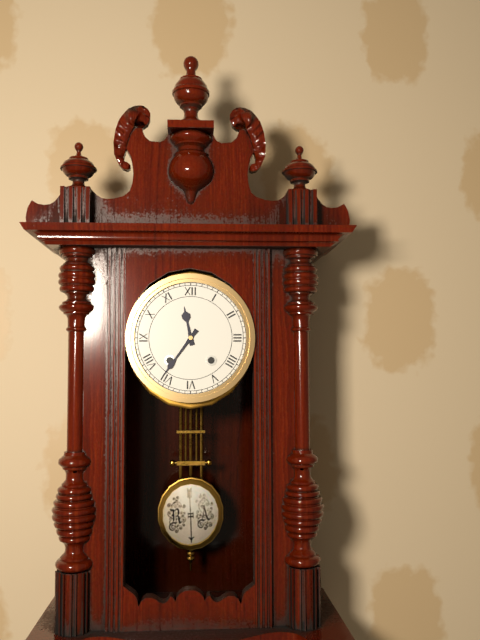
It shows 11h36
